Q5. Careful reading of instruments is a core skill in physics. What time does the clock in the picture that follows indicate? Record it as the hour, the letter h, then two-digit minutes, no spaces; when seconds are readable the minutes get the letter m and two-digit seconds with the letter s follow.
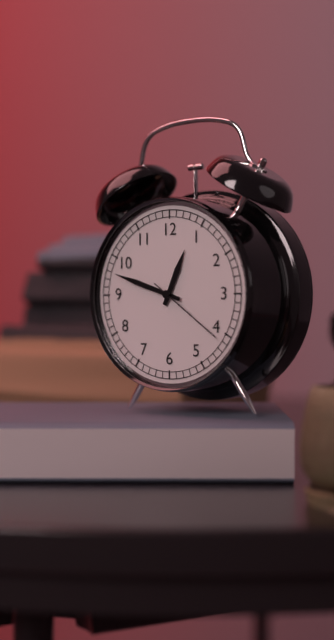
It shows 12h48m21s
